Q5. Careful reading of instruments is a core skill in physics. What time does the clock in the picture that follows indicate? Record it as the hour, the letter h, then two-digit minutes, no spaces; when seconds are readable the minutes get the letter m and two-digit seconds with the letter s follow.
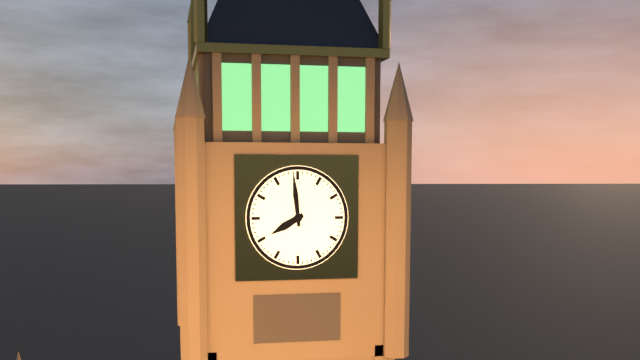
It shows 7h59
